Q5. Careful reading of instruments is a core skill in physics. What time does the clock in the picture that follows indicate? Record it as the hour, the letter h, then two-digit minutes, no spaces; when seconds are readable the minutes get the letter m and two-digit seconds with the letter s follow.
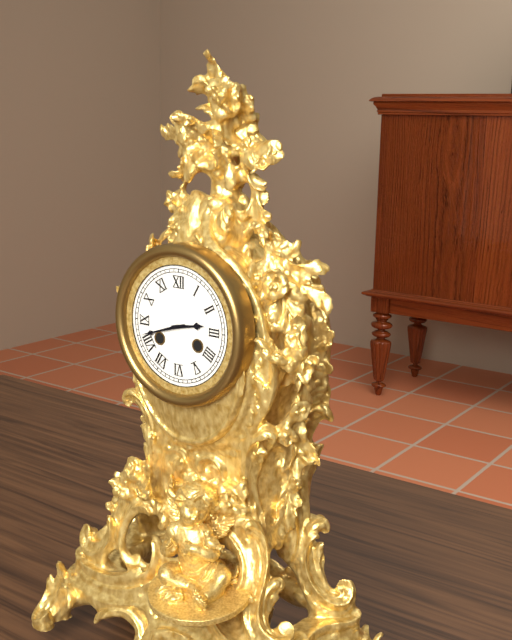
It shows 2h42
